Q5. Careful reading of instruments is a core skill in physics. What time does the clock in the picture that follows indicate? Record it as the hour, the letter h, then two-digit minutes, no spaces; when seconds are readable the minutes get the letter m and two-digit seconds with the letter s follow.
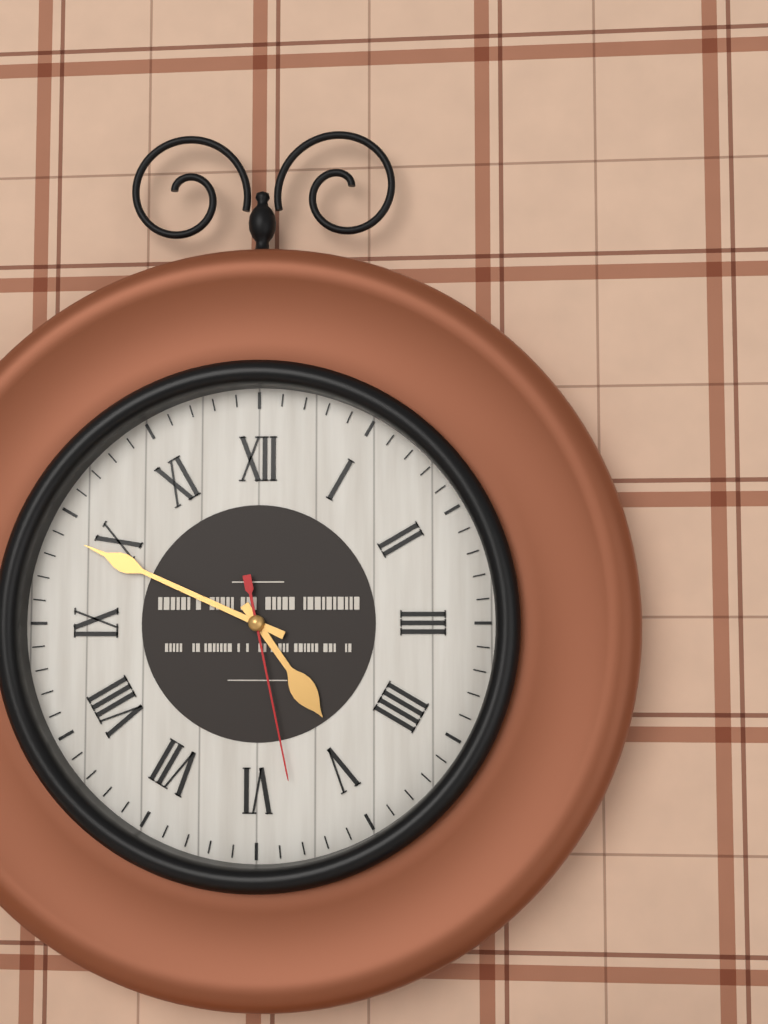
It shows 4h49m28s
